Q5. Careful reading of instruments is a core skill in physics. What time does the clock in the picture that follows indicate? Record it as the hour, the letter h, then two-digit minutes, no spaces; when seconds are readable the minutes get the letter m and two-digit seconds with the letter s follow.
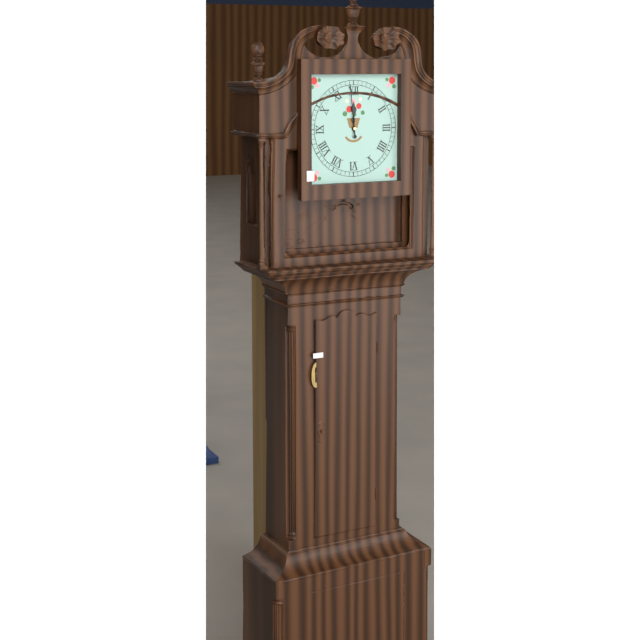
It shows 11h59
